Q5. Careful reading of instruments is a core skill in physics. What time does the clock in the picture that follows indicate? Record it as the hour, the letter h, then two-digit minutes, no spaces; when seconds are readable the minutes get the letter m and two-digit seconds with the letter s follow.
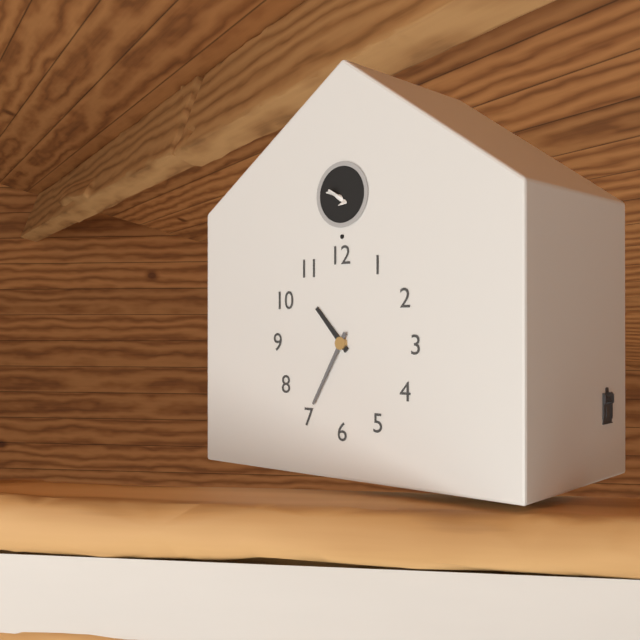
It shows 10h35
